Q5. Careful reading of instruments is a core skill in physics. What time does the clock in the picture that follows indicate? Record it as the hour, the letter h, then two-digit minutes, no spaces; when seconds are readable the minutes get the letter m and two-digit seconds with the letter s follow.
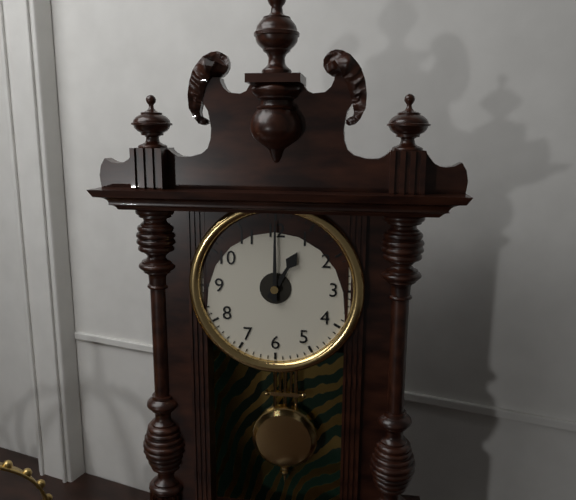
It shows 1h00
